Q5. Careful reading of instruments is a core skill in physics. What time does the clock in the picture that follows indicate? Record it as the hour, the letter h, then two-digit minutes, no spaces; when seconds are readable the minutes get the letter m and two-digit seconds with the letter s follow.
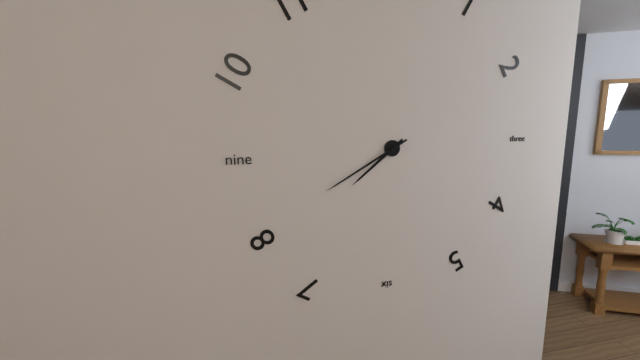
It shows 7h40
